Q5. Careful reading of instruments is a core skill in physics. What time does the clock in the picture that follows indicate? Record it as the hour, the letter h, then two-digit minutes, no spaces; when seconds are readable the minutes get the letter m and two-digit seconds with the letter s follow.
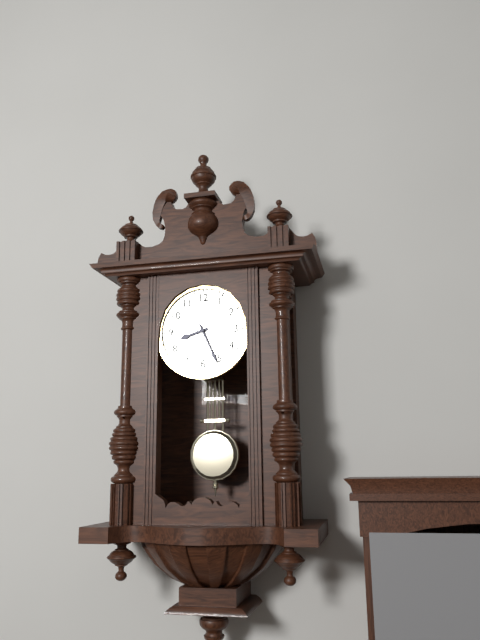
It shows 8h26
